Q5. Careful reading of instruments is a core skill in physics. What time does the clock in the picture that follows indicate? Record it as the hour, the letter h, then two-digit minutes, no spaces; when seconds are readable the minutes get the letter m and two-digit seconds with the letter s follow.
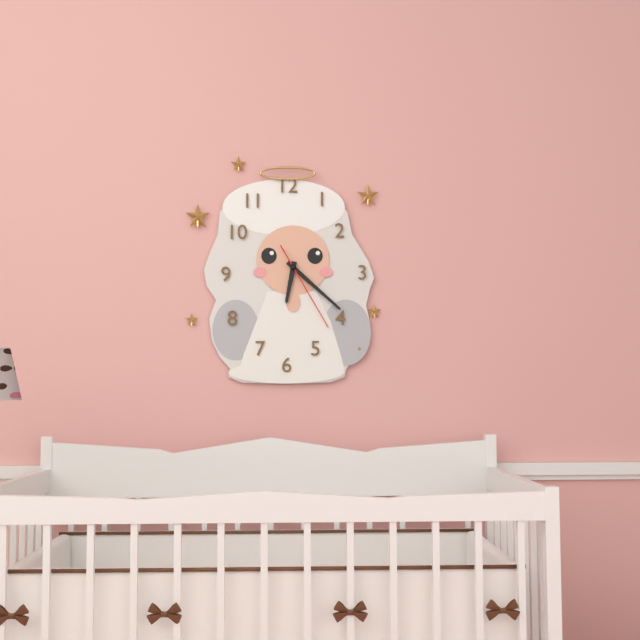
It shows 6h22m25s
